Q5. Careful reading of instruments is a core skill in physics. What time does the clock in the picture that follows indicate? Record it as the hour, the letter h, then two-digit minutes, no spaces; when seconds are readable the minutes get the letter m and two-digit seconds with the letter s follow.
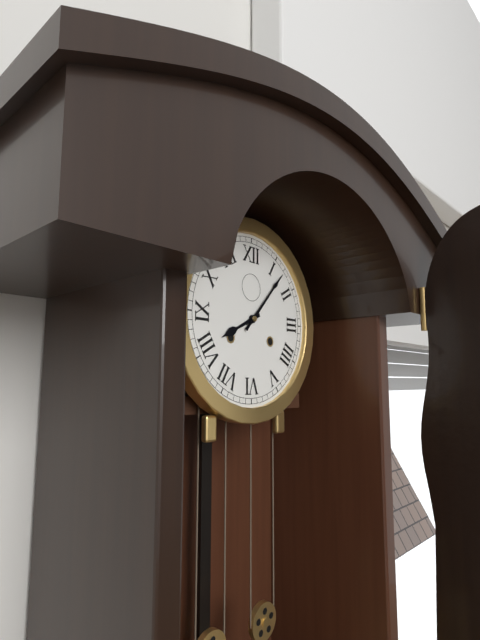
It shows 8h07
